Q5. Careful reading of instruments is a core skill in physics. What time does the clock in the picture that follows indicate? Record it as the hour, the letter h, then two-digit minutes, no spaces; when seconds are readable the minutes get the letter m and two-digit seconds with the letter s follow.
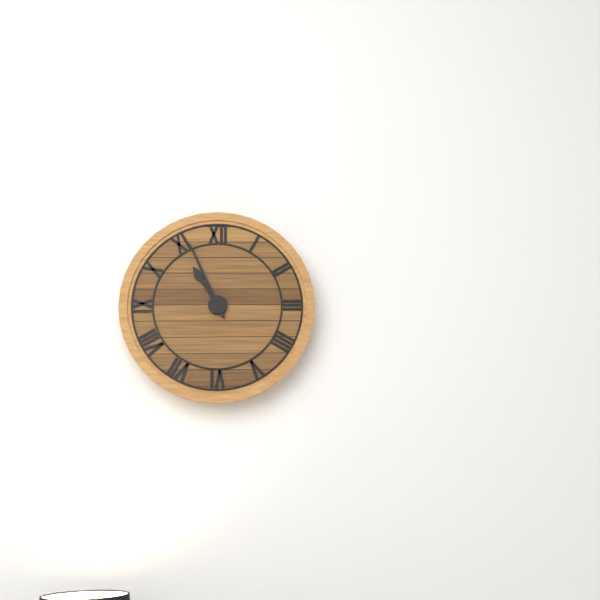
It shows 10h56
